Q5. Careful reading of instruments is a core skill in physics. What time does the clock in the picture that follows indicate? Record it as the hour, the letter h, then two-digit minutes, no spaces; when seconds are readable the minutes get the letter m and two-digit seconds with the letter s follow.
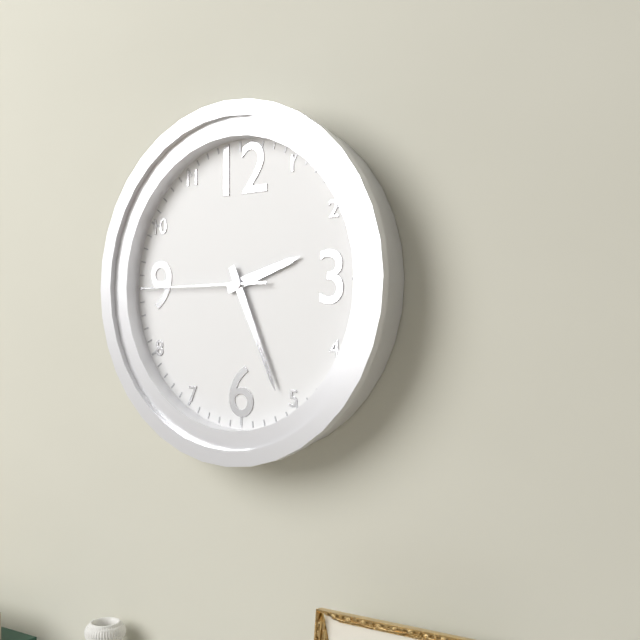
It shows 2h26m45s
